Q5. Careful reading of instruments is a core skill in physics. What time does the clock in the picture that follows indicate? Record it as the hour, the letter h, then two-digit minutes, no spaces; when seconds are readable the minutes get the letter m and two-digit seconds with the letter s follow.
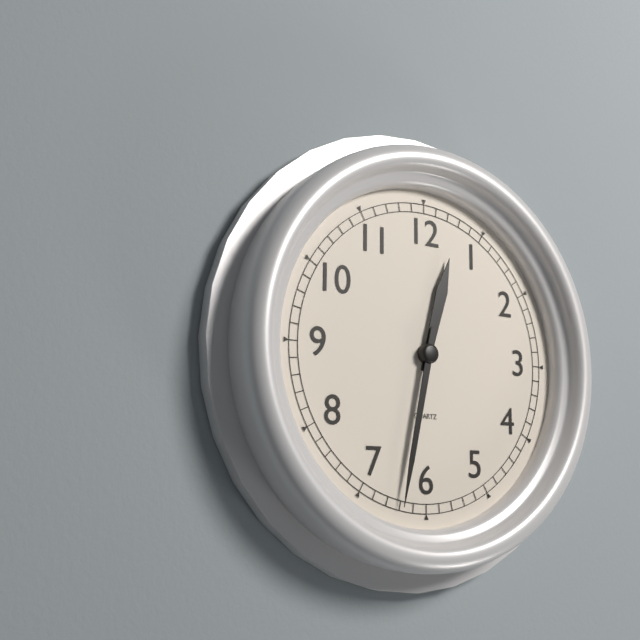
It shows 12h32
